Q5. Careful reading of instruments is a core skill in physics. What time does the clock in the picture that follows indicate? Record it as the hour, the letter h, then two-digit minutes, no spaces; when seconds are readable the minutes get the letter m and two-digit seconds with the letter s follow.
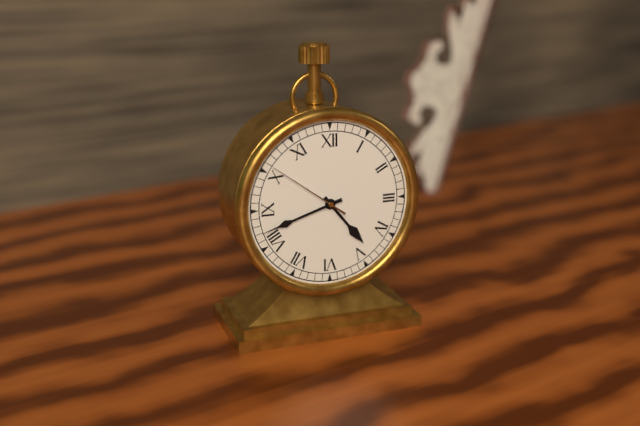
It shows 4h42m51s
